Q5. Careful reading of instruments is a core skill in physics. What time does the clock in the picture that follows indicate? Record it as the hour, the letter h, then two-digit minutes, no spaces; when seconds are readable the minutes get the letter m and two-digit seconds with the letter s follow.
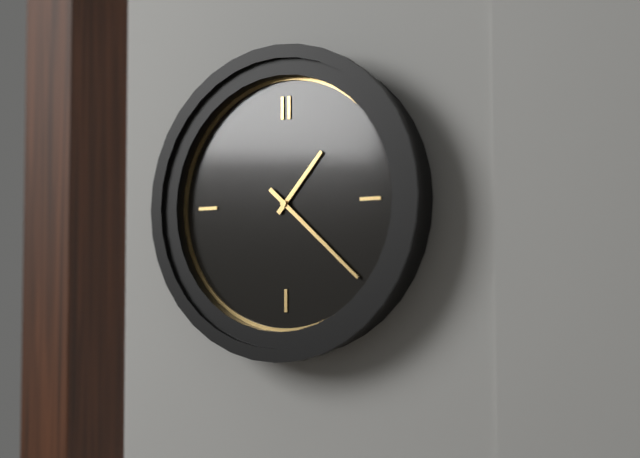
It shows 1h22
